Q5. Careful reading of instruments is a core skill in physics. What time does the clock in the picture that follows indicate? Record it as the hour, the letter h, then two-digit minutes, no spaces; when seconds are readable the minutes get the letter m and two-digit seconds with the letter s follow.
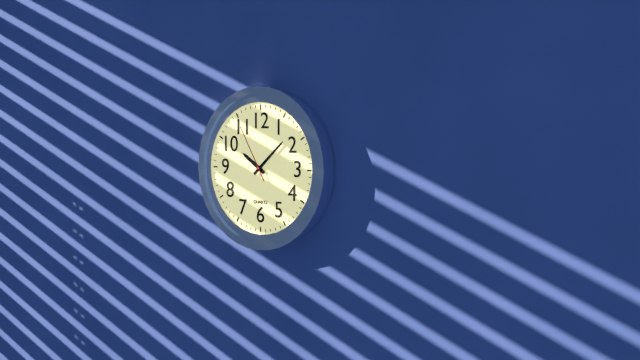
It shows 10h08m55s
